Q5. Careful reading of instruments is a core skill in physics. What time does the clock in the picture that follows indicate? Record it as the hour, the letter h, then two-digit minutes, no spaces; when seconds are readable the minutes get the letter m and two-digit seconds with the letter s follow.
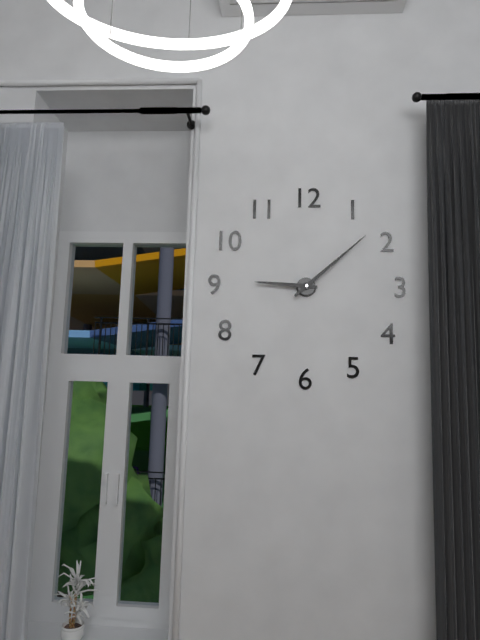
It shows 9h08
